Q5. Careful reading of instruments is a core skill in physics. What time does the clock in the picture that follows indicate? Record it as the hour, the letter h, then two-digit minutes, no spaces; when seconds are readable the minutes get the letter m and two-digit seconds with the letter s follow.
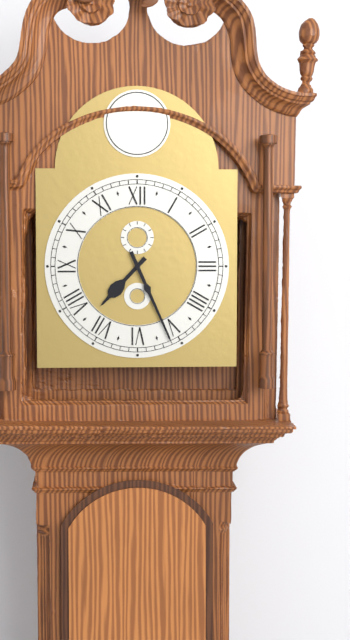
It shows 7h26
